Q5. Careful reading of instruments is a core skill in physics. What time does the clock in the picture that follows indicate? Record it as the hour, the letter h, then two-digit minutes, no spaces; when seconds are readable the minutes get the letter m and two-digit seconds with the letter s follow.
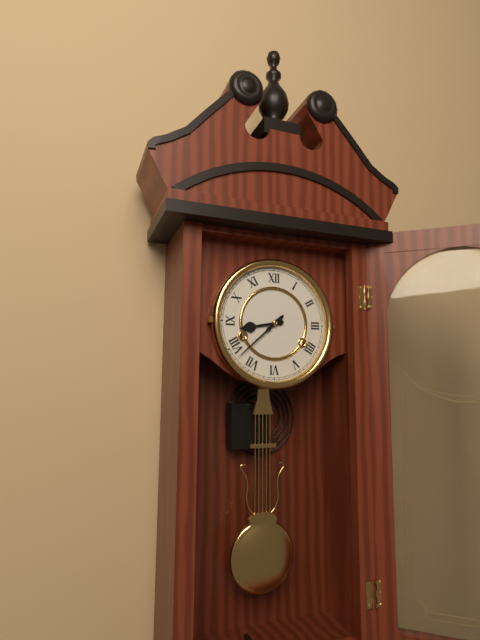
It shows 8h38
